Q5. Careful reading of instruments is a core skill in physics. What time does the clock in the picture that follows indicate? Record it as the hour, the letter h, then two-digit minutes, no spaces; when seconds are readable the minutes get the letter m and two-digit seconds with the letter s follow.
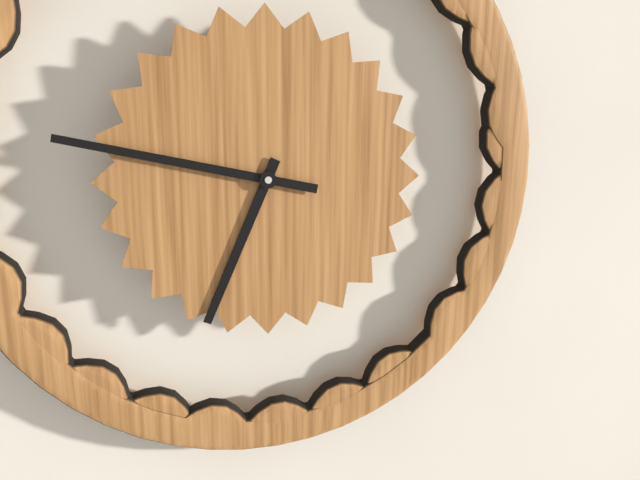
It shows 6h47
